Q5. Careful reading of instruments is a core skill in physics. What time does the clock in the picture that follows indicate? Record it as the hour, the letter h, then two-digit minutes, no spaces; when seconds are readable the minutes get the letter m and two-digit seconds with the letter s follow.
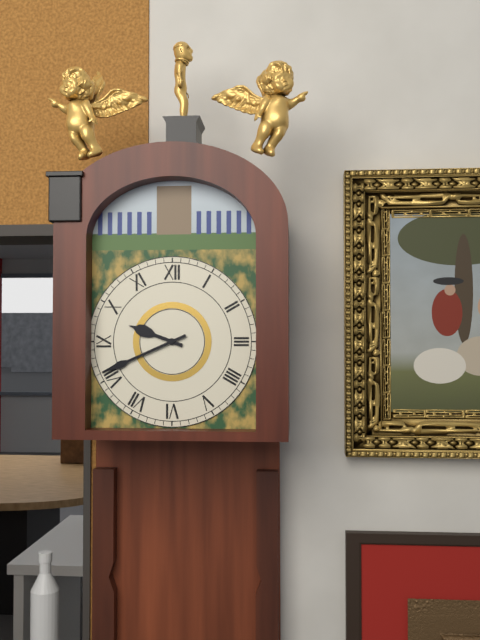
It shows 9h41
